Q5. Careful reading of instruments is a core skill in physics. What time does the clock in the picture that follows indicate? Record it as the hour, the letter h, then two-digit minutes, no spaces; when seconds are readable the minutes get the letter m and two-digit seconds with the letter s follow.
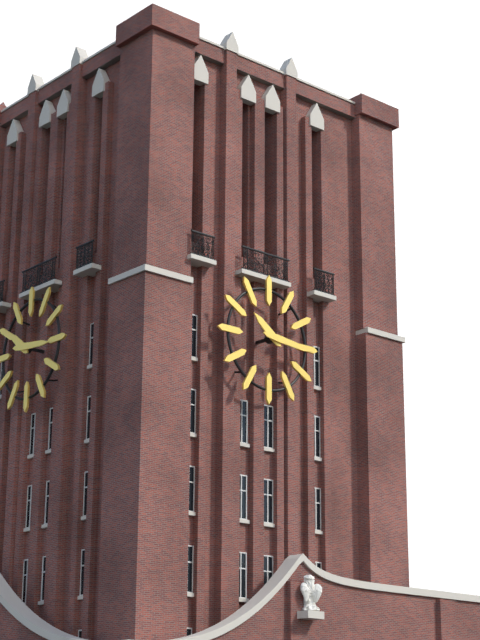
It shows 10h16
